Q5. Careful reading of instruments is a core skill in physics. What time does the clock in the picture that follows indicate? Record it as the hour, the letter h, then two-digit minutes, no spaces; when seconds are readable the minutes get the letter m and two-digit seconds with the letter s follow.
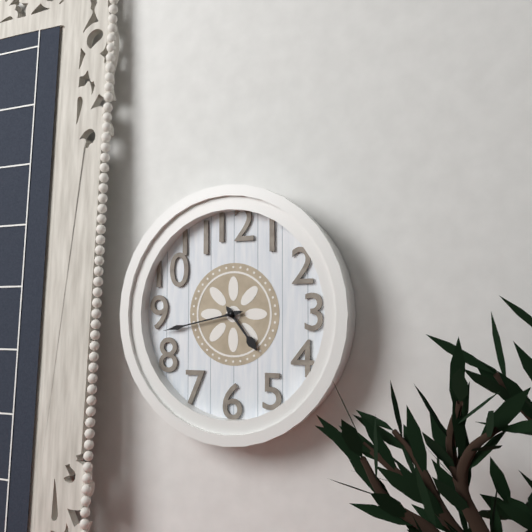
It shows 4h43
